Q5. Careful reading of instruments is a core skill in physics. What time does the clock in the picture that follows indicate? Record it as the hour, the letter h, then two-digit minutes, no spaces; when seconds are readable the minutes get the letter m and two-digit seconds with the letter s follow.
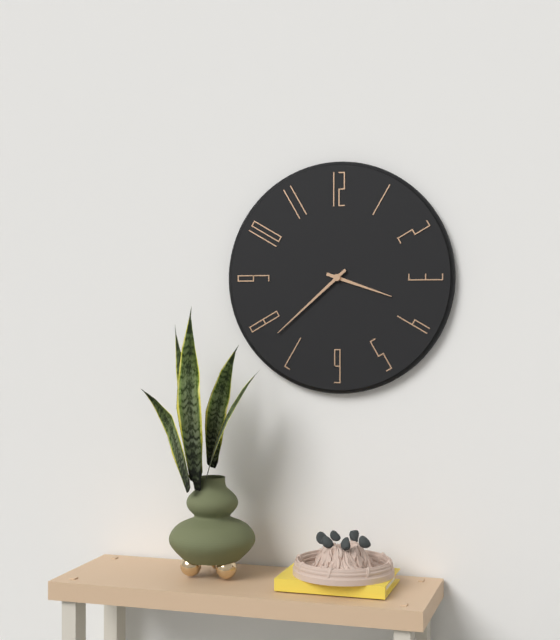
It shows 3h38
